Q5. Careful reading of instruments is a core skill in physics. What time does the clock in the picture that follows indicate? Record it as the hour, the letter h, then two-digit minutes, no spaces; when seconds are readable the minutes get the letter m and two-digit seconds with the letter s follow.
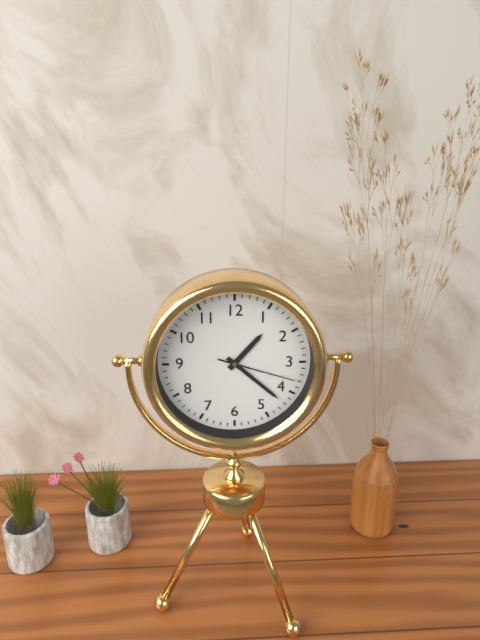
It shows 1h22m18s
